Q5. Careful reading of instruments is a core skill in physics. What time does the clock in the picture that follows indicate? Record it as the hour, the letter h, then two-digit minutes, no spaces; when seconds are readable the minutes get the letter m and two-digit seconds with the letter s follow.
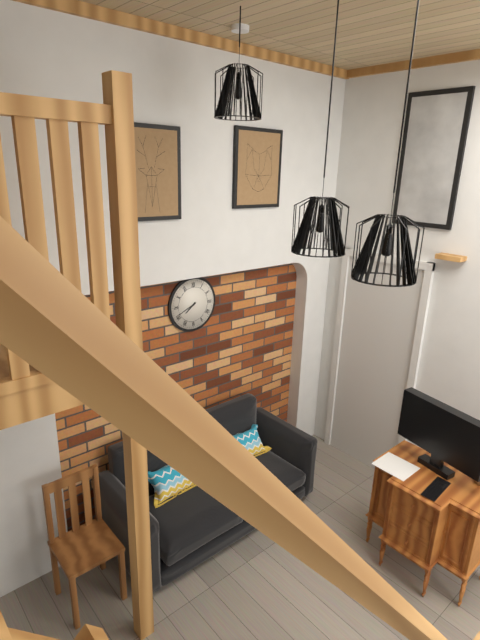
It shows 7h41
